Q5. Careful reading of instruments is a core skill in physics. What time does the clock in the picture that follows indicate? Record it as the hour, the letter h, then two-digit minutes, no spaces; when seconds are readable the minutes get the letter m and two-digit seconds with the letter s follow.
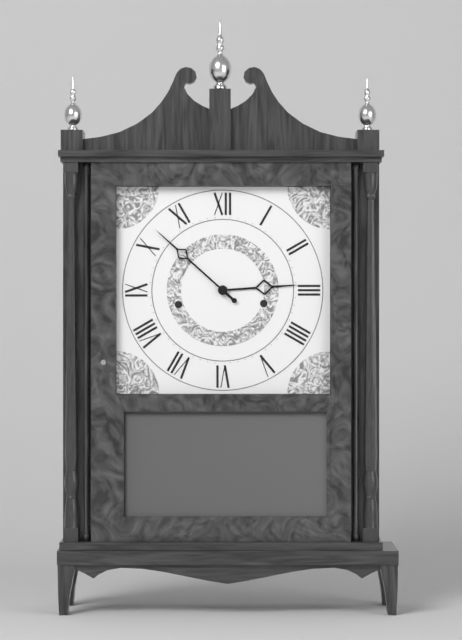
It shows 2h52
